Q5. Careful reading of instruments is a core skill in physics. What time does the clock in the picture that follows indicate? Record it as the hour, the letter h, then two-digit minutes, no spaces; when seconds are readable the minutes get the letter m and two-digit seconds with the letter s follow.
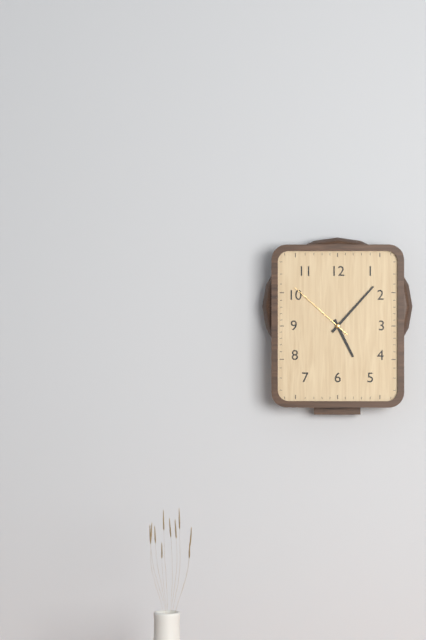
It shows 5h07m52s
